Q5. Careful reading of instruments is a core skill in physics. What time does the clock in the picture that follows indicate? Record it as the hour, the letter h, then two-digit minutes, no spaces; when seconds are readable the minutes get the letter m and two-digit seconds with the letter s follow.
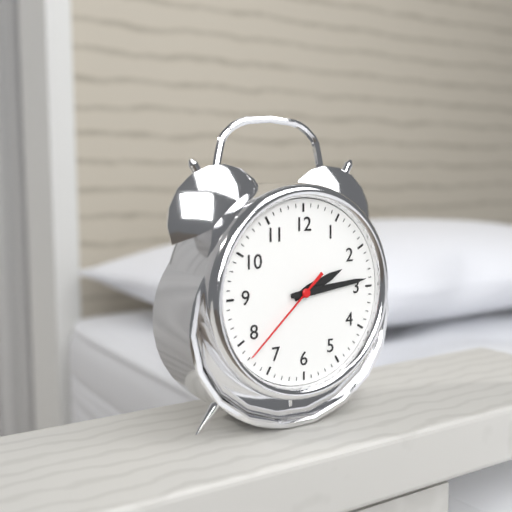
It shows 2h14m38s
